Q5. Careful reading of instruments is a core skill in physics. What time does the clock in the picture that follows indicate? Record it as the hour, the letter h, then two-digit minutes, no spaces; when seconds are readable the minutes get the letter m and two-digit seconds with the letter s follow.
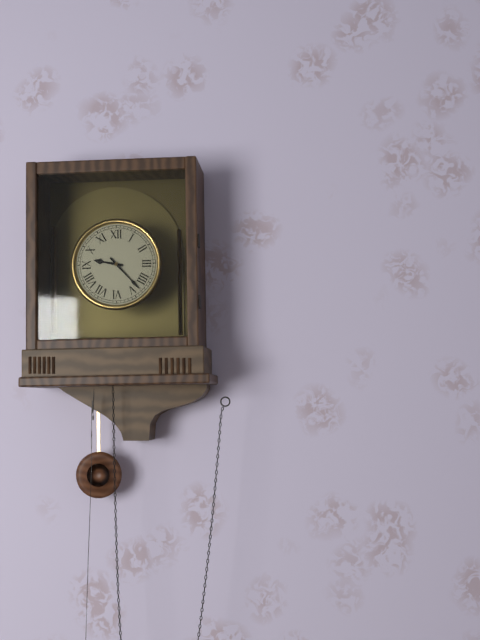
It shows 9h23
